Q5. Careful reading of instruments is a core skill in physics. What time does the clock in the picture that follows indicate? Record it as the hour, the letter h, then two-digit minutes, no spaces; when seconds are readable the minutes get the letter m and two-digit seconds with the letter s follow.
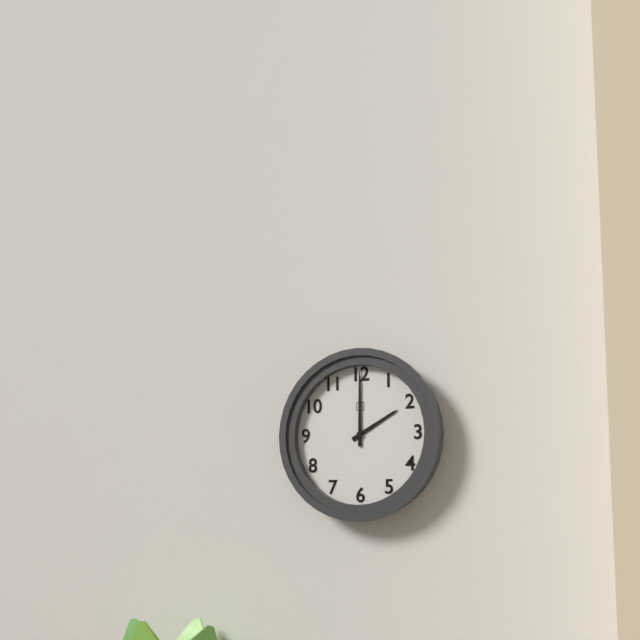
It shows 2h00
